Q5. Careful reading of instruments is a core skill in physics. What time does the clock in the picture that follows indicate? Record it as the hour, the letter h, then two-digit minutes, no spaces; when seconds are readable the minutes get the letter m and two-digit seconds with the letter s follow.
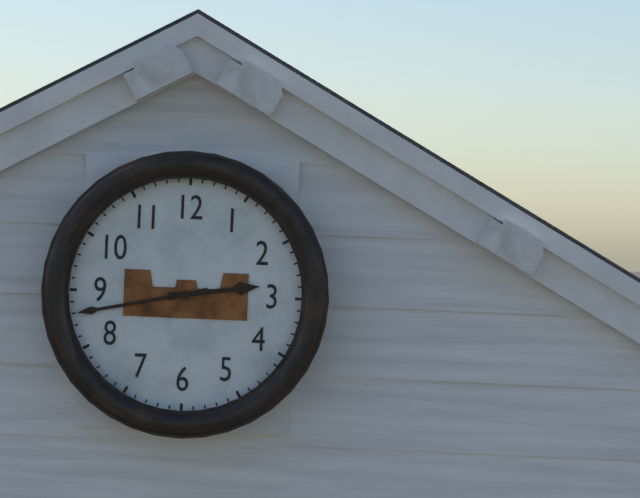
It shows 2h43
